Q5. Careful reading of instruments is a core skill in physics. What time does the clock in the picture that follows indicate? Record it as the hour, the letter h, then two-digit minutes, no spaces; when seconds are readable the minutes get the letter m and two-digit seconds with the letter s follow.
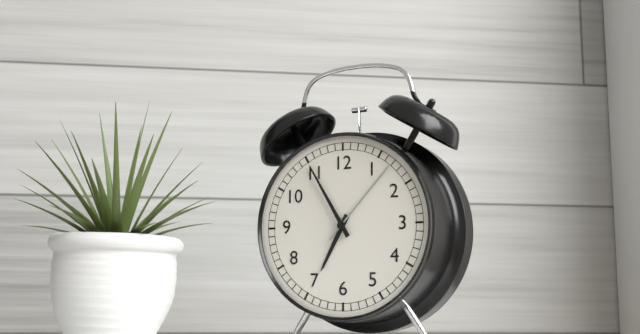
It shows 6h55m07s
